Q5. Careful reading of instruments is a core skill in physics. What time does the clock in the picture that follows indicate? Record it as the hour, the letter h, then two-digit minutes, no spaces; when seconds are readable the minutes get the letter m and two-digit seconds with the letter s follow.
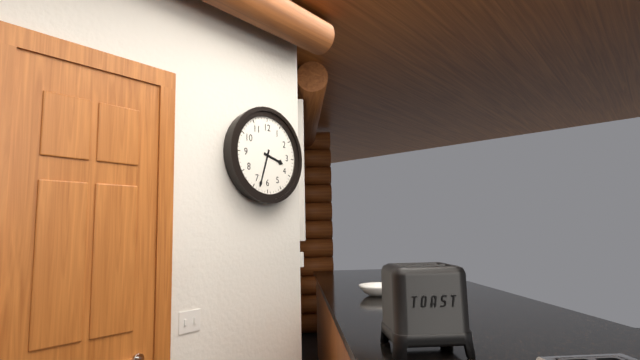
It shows 3h33
